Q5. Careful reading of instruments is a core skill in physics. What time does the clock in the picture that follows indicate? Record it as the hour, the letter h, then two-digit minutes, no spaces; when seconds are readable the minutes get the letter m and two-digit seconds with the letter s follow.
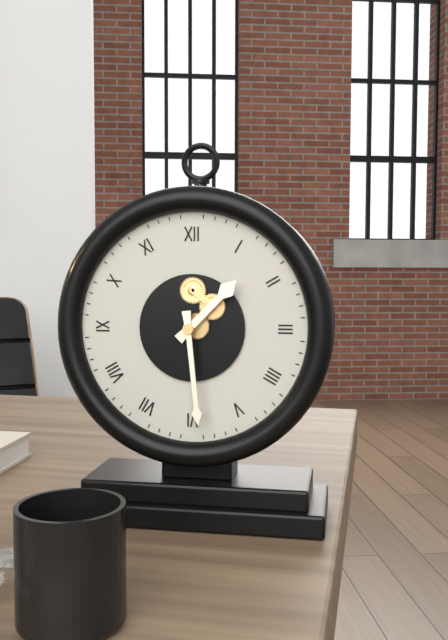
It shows 1h29
